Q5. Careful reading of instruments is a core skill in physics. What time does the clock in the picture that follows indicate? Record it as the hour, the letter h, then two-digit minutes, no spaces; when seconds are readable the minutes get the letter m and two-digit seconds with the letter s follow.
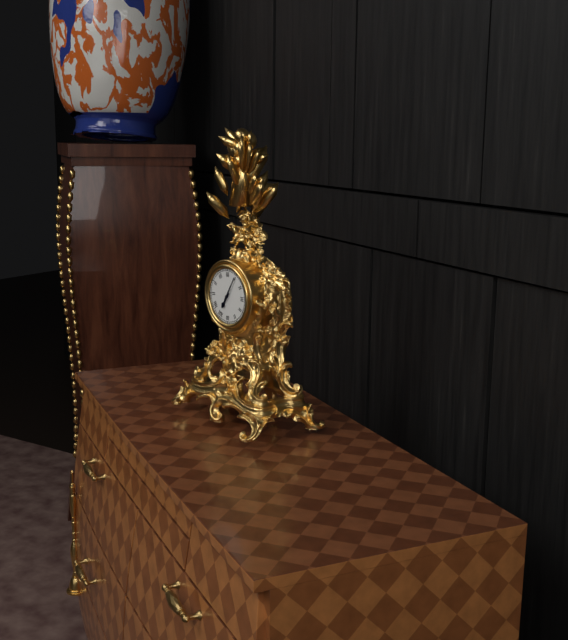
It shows 7h05
